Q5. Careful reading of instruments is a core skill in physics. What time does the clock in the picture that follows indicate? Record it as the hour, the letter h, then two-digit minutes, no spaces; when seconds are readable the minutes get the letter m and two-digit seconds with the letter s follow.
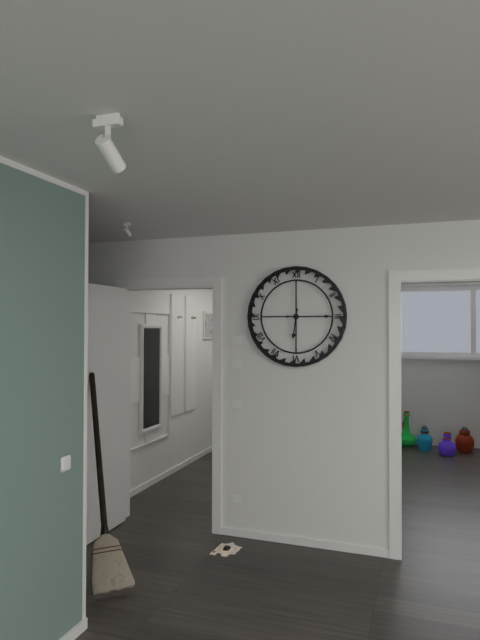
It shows 6h15
